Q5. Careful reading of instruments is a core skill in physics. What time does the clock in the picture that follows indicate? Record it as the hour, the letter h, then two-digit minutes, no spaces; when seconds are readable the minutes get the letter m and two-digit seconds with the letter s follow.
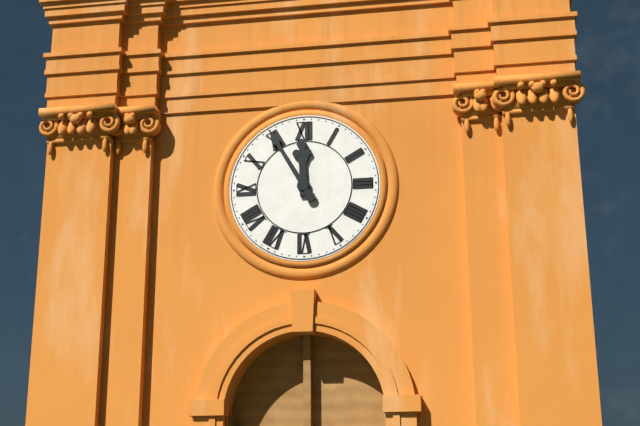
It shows 11h55
